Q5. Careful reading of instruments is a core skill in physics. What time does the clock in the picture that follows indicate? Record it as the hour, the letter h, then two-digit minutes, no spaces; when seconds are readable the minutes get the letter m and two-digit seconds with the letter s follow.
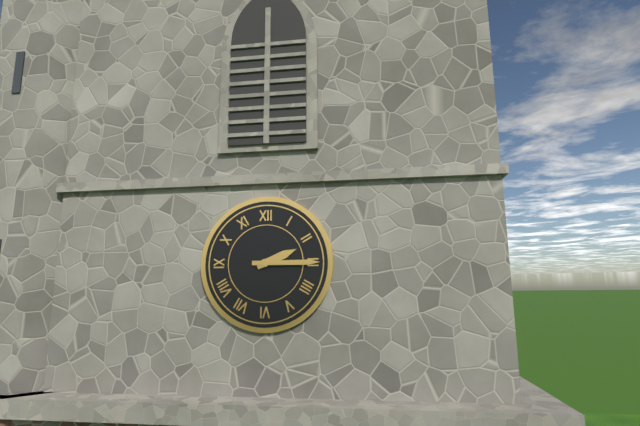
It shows 2h15
